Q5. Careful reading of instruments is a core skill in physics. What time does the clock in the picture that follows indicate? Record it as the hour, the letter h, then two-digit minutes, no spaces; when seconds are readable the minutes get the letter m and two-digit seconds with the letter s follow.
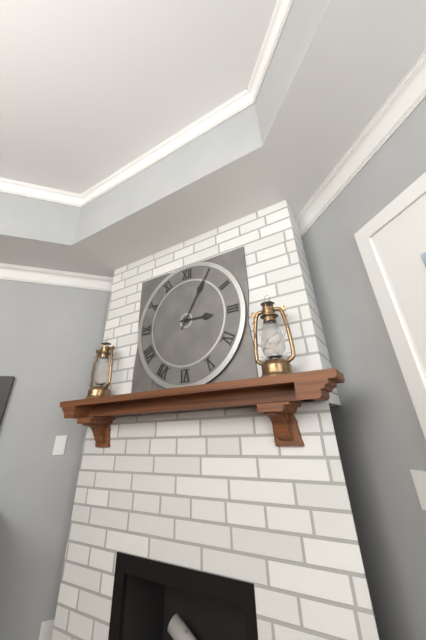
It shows 3h05
